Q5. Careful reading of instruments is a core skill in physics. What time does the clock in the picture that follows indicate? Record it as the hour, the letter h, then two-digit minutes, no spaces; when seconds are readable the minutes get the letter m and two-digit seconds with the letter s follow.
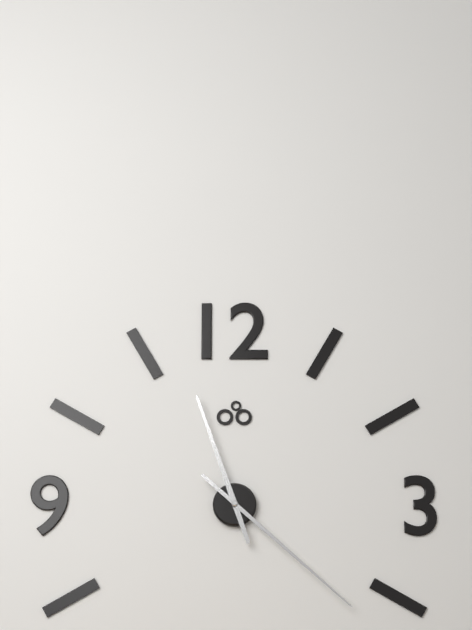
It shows 11h22
